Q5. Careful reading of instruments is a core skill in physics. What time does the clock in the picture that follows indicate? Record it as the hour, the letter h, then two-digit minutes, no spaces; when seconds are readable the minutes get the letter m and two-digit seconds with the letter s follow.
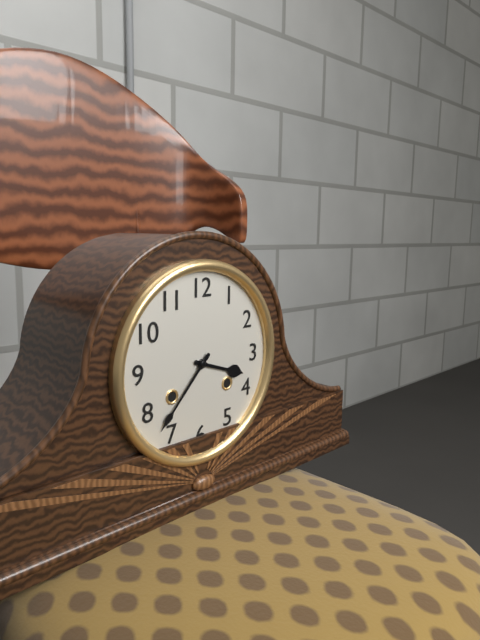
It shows 3h37
